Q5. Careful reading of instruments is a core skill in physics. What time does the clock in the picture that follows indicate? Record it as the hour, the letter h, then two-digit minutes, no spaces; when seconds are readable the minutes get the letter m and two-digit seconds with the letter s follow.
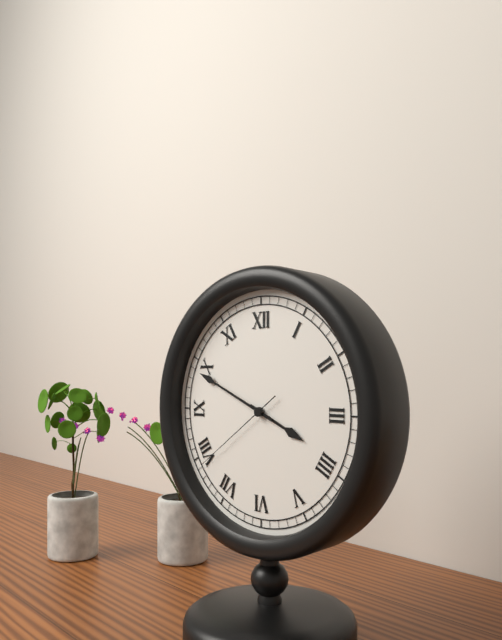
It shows 3h49m39s
